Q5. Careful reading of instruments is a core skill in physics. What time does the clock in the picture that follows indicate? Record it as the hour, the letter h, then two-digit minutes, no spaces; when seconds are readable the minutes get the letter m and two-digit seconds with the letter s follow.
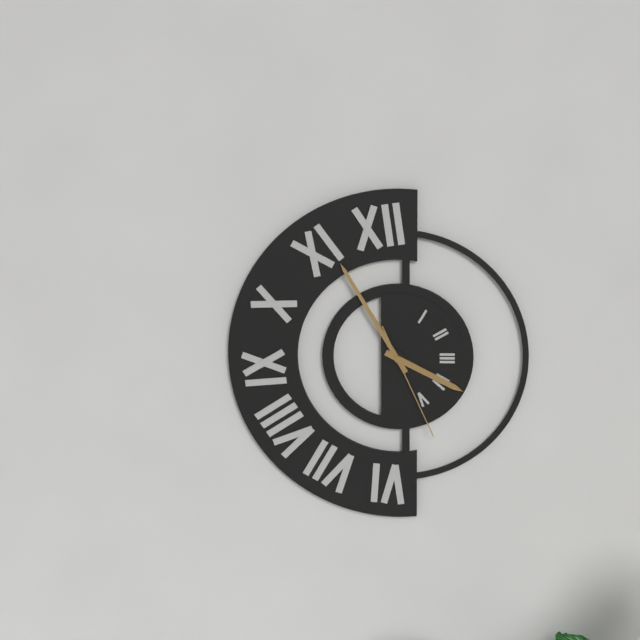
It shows 3h55m26s
